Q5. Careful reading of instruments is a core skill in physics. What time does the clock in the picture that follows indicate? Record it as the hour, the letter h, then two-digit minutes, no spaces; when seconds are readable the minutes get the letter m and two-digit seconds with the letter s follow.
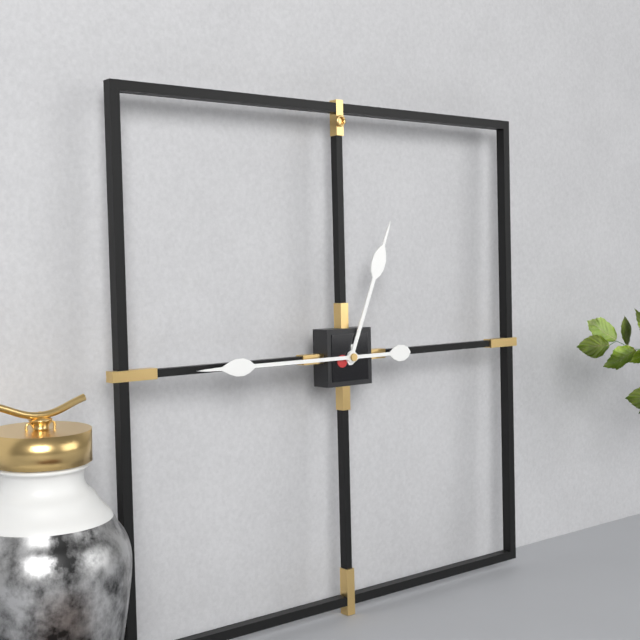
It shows 12h45
